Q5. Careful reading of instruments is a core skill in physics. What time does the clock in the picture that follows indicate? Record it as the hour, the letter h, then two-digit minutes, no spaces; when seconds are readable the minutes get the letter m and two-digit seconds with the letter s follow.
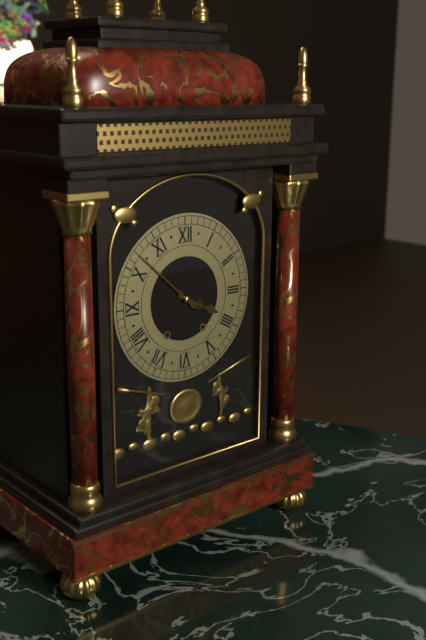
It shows 3h52
